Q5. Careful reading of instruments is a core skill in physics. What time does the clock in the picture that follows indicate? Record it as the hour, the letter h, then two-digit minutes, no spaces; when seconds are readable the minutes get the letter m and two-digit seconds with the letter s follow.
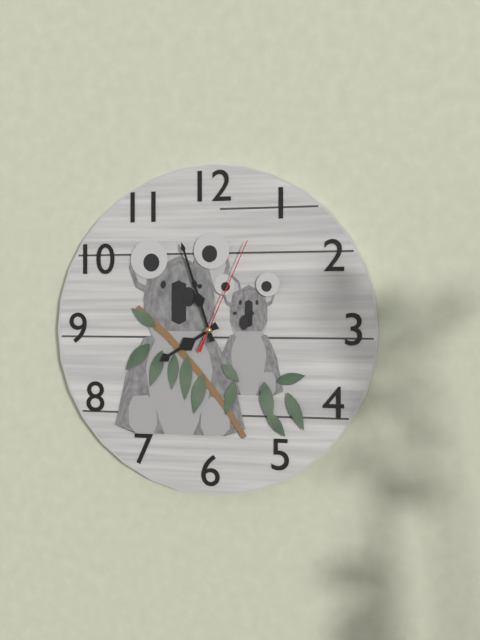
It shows 7h57m04s
